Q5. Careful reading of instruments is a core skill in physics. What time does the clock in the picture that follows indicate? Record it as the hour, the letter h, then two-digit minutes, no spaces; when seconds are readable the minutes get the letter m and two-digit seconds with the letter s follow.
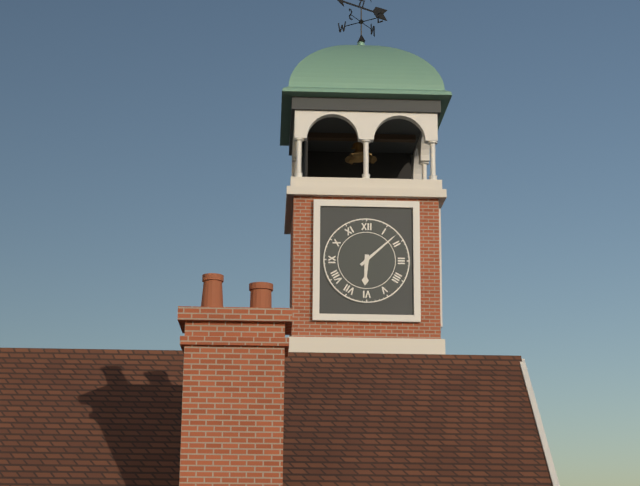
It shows 6h08
